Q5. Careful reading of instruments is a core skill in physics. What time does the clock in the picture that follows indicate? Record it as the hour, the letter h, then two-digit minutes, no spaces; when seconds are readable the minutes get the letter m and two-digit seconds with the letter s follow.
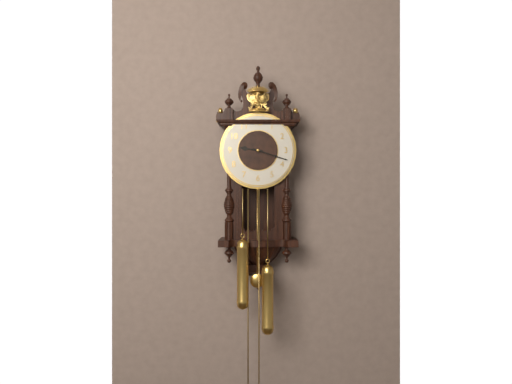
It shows 9h18
